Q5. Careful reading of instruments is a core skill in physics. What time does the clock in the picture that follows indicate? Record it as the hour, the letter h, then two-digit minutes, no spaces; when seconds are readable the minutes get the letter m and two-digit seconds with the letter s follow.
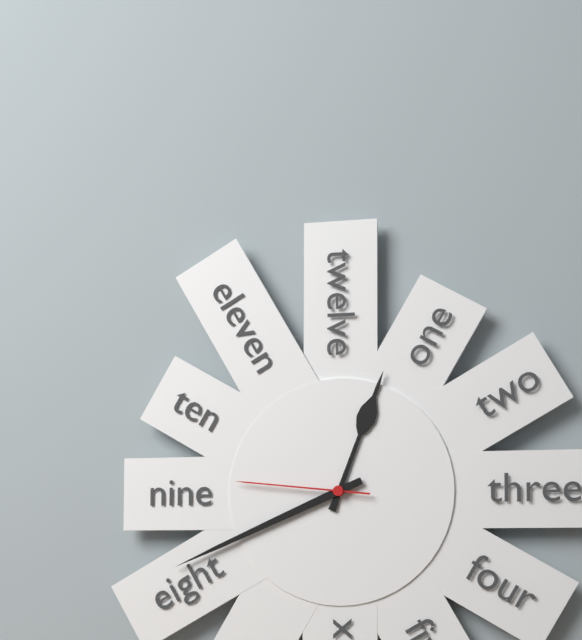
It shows 12h41m46s
